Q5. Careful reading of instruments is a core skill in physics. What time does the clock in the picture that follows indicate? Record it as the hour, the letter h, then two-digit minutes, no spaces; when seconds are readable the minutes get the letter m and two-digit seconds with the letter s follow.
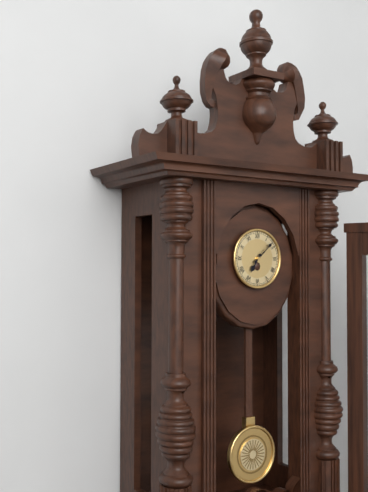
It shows 7h08
